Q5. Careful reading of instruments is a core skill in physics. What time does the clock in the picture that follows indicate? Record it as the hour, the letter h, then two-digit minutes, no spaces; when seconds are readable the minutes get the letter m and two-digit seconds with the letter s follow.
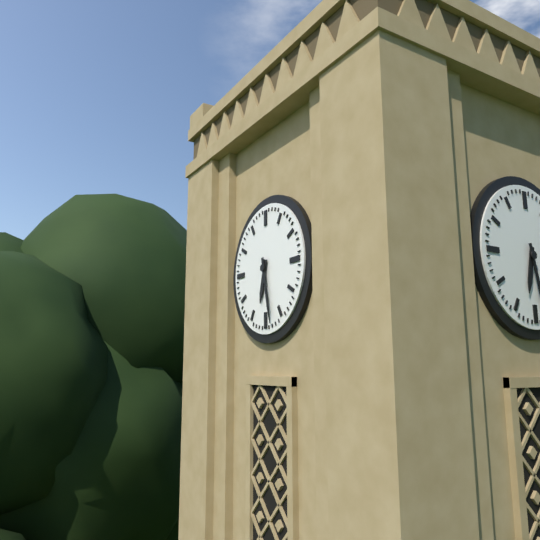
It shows 6h28
